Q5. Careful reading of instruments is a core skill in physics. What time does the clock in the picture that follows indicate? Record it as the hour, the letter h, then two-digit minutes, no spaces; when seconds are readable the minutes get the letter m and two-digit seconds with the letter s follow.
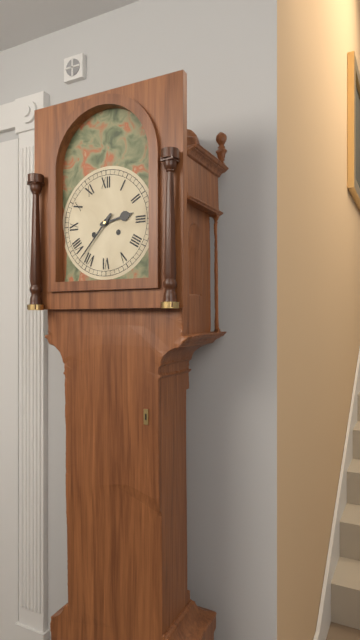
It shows 2h37
